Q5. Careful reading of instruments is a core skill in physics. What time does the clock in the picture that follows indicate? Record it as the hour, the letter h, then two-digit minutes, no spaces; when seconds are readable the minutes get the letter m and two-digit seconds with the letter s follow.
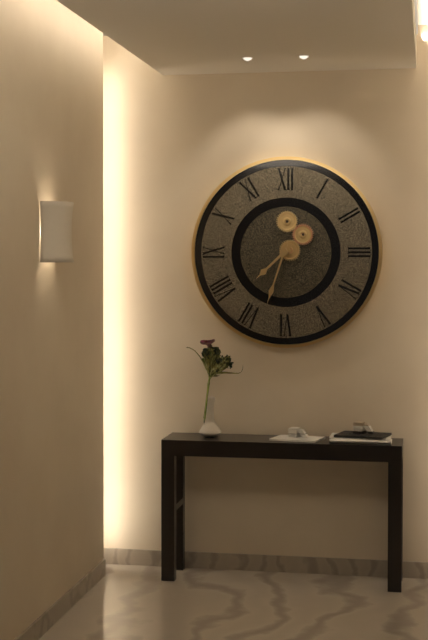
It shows 7h33
